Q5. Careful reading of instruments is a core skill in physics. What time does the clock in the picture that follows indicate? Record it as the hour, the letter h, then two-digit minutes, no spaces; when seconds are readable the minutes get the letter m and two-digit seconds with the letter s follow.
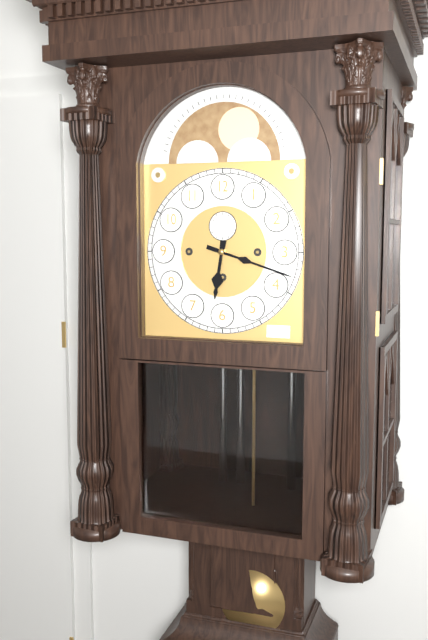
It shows 6h18
